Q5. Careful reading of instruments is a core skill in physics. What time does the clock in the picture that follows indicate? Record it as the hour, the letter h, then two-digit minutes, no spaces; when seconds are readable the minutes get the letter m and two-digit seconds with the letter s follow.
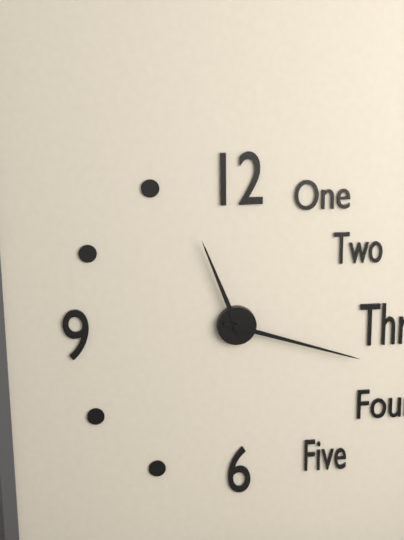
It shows 11h18
